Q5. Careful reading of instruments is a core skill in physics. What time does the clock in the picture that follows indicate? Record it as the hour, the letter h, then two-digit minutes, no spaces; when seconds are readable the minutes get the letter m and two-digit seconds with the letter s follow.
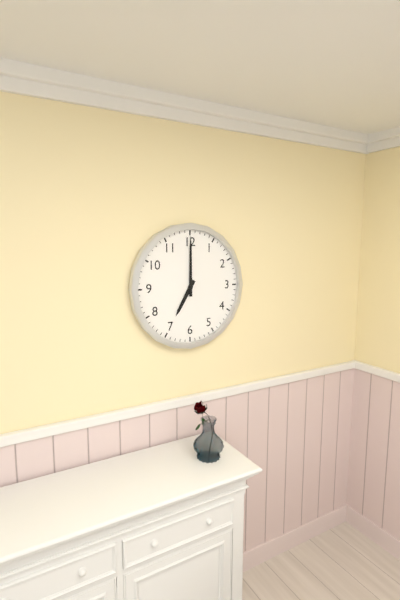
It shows 7h00
